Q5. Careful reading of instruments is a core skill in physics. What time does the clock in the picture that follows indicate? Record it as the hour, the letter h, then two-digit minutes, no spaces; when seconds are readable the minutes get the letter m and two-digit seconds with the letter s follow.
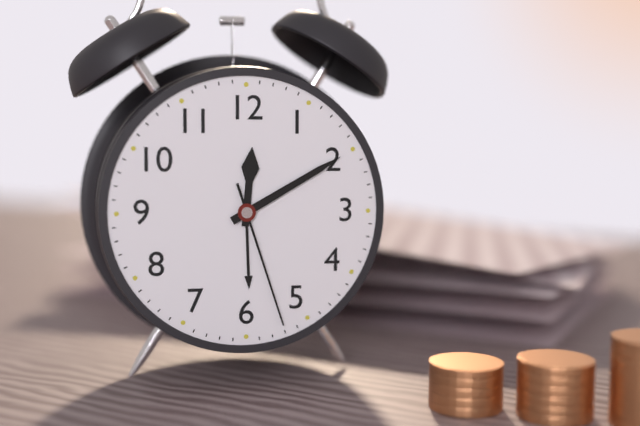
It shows 12h10m27s
